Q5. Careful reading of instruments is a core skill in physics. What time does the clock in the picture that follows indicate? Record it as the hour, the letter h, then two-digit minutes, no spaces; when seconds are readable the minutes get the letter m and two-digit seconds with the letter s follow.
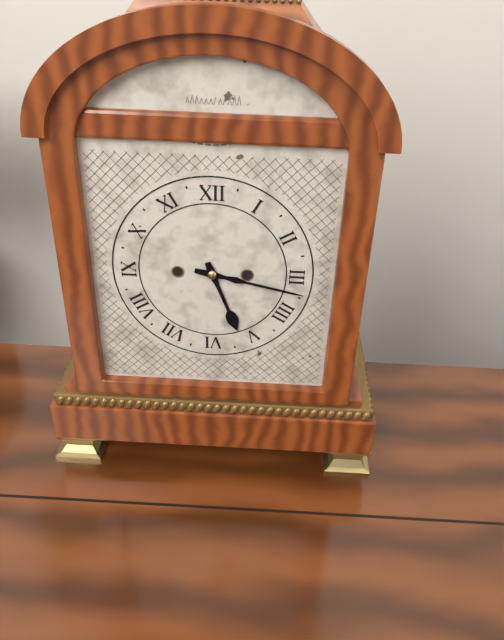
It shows 5h17
